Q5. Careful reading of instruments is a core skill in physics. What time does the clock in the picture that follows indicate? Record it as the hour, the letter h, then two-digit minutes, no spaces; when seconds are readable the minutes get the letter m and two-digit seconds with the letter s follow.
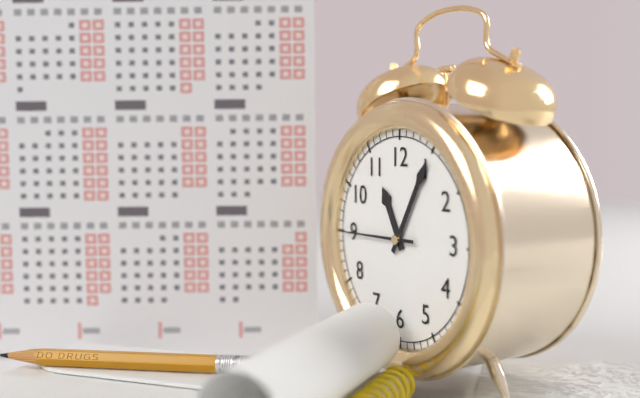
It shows 11h05m45s
